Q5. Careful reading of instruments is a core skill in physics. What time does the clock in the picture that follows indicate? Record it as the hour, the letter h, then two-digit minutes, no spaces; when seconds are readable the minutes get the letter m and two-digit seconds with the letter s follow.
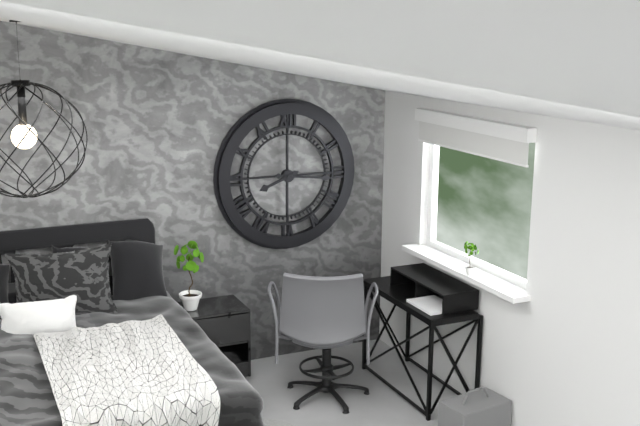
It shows 8h16
